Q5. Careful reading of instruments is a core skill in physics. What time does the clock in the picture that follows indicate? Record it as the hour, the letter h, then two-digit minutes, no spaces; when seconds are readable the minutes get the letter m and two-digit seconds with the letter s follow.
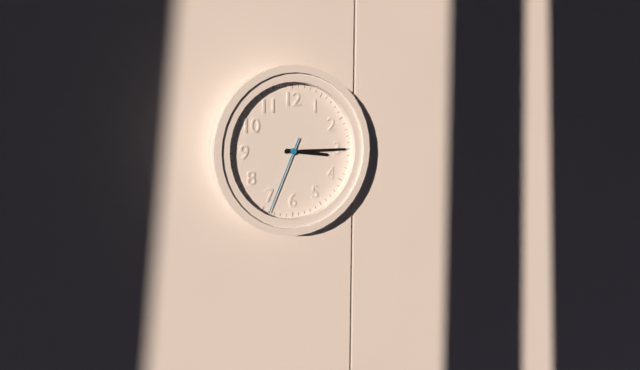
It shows 3h15m34s
